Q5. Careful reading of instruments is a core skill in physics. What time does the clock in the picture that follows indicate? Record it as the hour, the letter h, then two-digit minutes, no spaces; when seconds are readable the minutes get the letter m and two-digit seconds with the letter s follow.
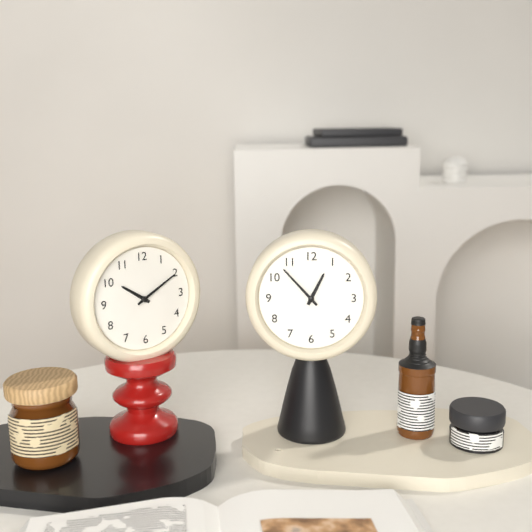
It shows 12h53
